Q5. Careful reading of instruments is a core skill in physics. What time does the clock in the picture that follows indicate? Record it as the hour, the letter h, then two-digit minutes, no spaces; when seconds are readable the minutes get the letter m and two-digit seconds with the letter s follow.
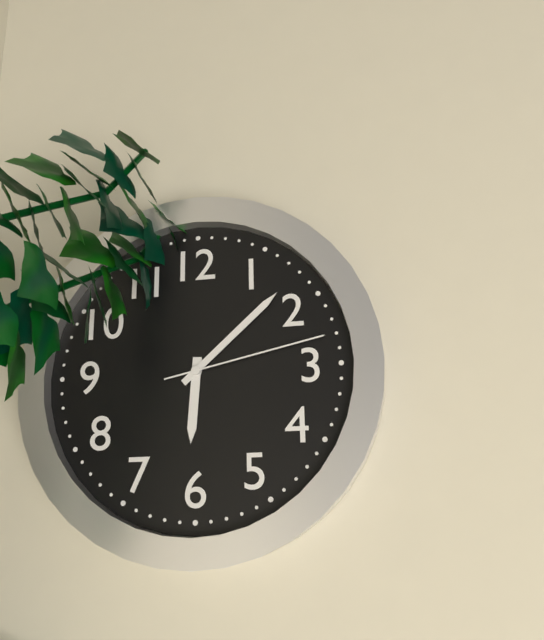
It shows 6h08m13s
